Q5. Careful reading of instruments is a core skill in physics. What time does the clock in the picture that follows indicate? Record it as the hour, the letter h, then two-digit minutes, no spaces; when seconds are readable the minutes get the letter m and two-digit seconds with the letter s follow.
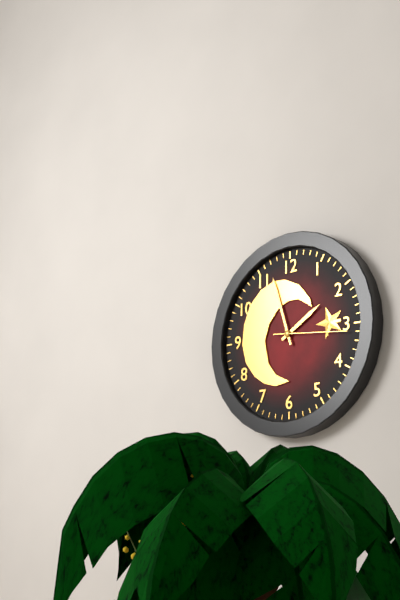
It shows 1h57m16s
